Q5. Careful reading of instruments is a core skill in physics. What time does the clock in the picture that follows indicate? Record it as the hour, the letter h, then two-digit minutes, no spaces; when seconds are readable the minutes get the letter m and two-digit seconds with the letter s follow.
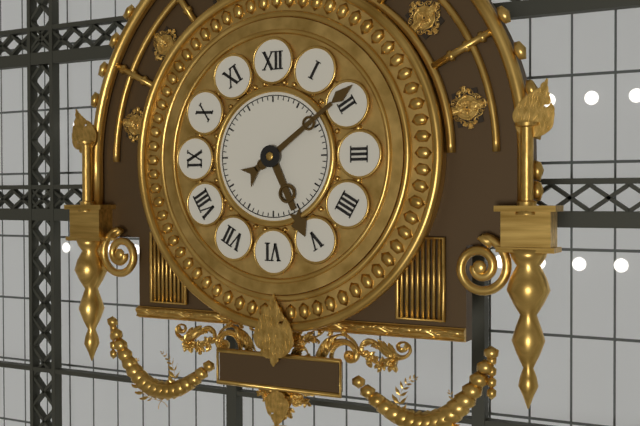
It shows 5h09
